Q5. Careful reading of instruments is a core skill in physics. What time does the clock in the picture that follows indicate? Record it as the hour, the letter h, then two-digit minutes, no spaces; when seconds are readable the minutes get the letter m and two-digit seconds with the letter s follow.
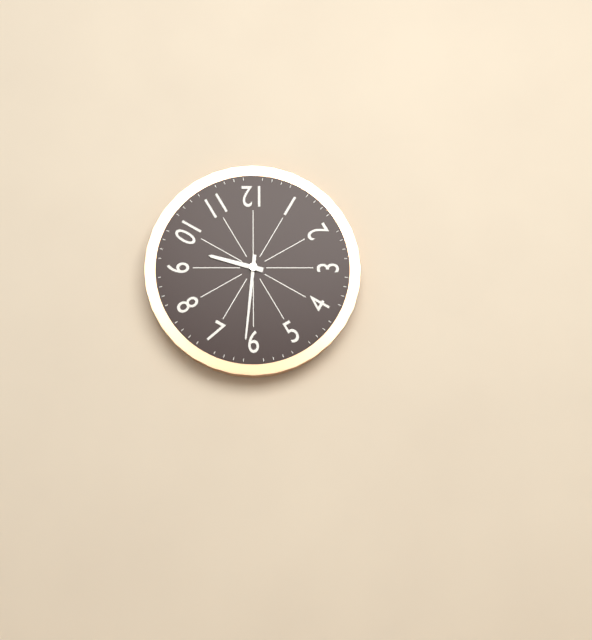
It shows 9h31
